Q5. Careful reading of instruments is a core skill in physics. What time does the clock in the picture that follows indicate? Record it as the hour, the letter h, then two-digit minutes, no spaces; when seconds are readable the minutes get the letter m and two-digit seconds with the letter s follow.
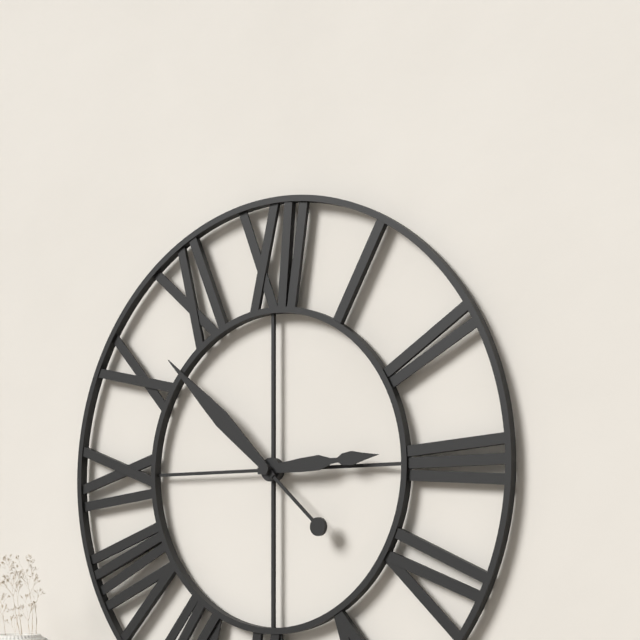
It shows 2h52
